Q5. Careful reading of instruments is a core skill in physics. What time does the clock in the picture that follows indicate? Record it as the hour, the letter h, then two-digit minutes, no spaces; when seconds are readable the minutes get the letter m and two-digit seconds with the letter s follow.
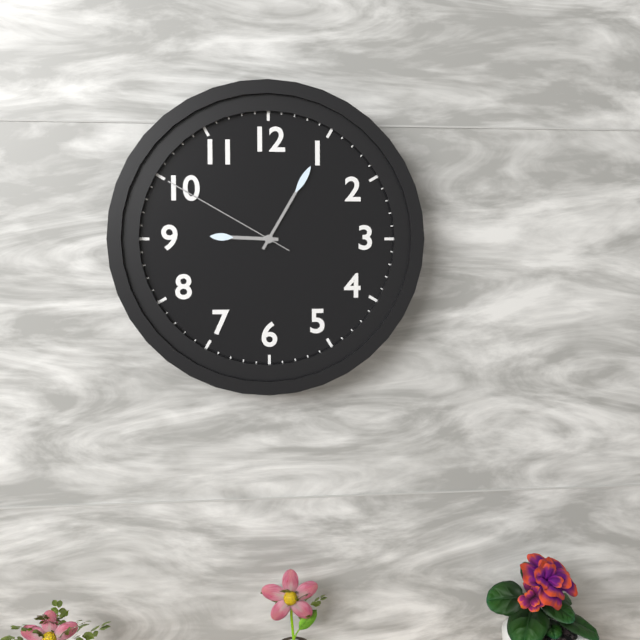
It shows 9h05m50s
